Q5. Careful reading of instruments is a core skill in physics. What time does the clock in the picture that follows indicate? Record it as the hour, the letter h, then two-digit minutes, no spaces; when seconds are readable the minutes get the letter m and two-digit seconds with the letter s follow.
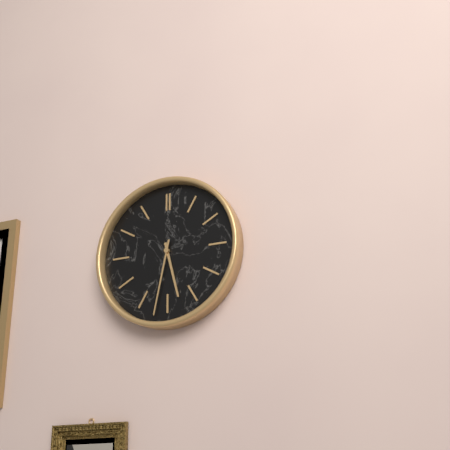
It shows 5h32
